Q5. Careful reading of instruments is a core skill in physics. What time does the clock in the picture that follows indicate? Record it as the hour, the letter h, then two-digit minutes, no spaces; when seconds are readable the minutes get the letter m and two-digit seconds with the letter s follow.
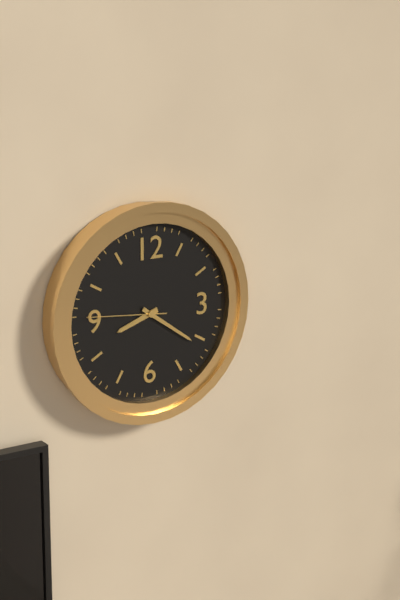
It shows 8h21m46s
